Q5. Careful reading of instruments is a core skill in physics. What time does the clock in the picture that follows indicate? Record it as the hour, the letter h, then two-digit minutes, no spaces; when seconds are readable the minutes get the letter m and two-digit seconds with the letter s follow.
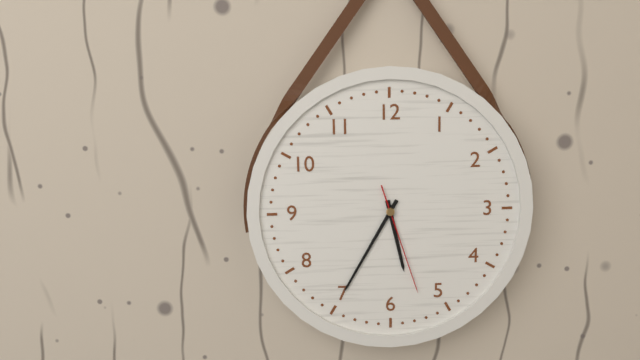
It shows 5h35m27s
